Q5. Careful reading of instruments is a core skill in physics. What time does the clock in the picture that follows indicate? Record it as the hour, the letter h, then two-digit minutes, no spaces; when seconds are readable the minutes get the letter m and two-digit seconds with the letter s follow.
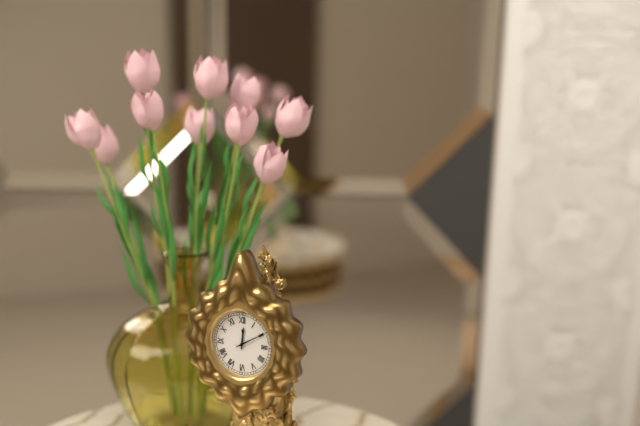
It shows 12h10
